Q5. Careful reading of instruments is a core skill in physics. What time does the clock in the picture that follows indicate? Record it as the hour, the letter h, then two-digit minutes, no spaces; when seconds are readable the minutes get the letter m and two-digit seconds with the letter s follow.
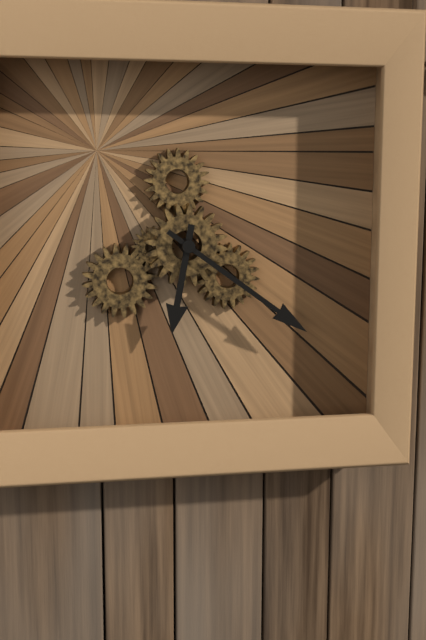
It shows 6h21
